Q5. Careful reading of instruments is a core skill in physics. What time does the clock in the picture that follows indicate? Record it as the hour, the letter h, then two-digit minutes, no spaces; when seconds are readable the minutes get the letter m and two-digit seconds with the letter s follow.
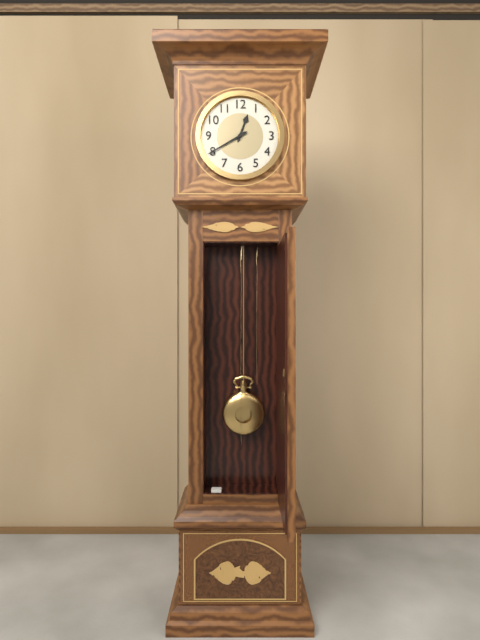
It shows 12h40
